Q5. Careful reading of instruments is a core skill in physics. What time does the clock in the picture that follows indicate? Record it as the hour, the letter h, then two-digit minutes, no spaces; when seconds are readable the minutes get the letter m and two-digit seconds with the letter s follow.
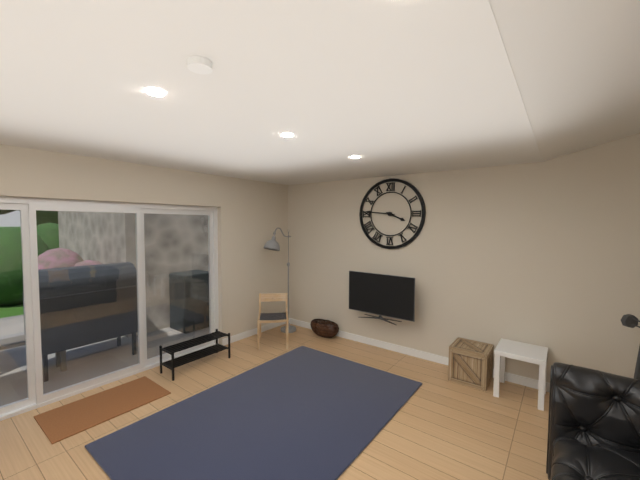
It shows 3h46
